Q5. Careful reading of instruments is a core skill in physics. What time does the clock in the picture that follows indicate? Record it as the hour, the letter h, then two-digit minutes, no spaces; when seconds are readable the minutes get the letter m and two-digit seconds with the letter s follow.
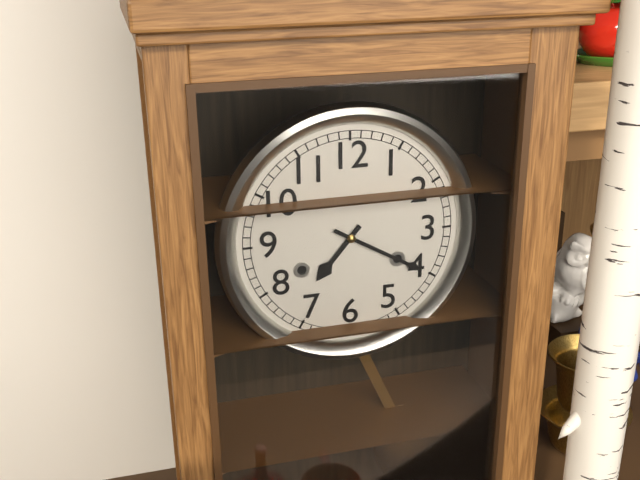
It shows 7h20
